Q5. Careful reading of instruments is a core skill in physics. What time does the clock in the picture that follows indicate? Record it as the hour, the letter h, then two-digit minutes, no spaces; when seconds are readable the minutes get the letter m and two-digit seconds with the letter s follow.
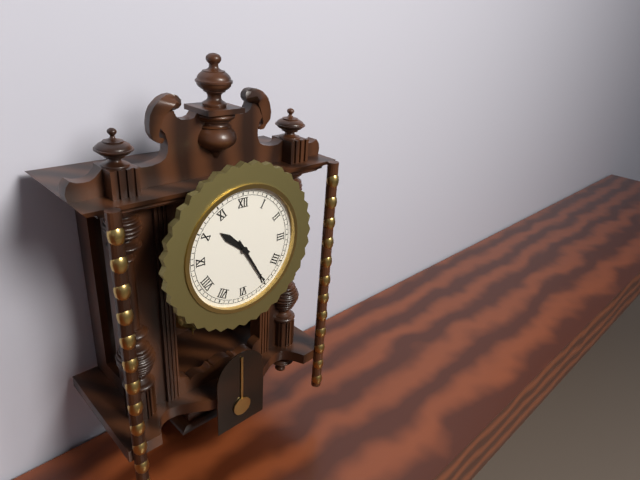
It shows 10h25
